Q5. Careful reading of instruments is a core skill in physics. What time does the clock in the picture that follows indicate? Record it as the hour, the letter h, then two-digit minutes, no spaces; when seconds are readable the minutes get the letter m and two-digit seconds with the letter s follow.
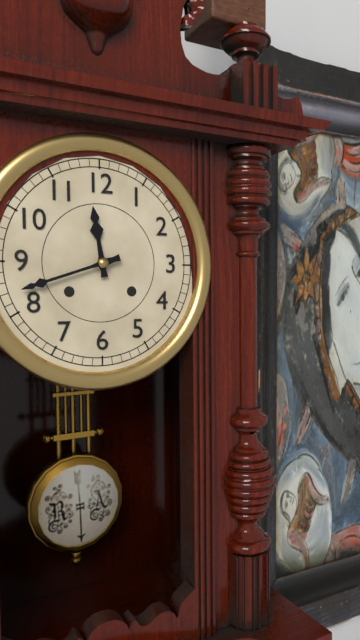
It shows 11h42
